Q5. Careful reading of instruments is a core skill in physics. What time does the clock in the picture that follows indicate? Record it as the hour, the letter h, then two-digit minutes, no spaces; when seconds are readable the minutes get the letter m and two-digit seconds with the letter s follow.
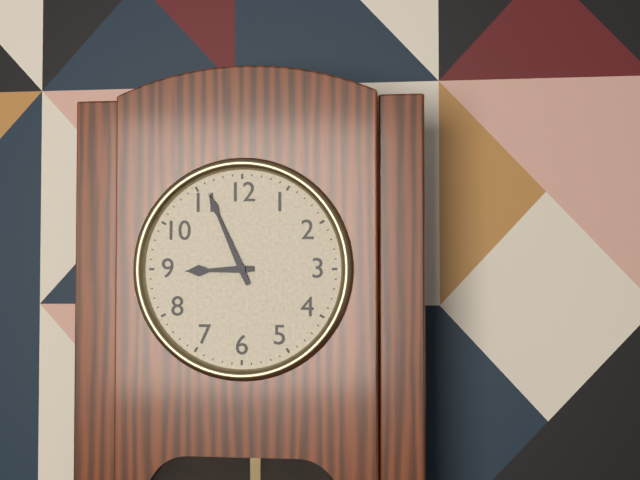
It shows 8h56
